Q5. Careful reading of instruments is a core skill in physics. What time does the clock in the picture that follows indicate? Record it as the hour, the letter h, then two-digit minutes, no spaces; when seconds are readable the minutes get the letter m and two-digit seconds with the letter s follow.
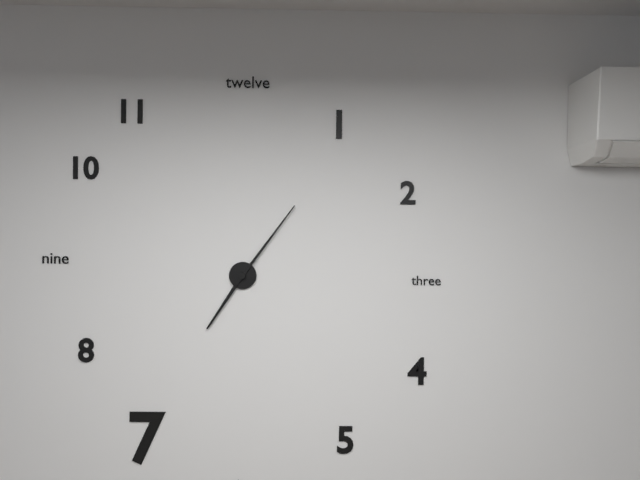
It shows 7h06
